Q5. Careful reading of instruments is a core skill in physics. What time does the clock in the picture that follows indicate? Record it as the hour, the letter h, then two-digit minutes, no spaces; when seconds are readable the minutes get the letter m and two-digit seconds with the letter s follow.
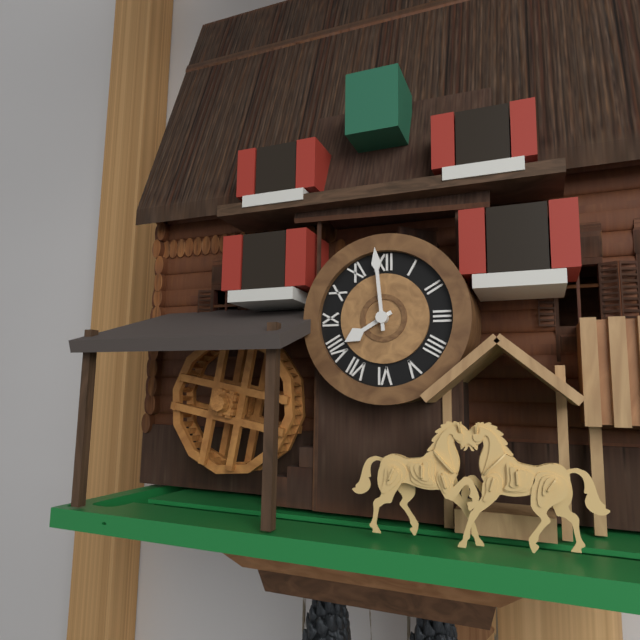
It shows 7h59
